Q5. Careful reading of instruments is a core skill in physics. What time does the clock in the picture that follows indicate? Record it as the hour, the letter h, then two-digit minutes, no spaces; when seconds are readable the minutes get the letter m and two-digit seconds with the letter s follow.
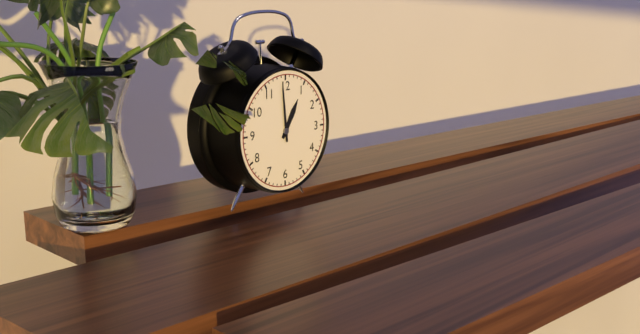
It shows 12h59
